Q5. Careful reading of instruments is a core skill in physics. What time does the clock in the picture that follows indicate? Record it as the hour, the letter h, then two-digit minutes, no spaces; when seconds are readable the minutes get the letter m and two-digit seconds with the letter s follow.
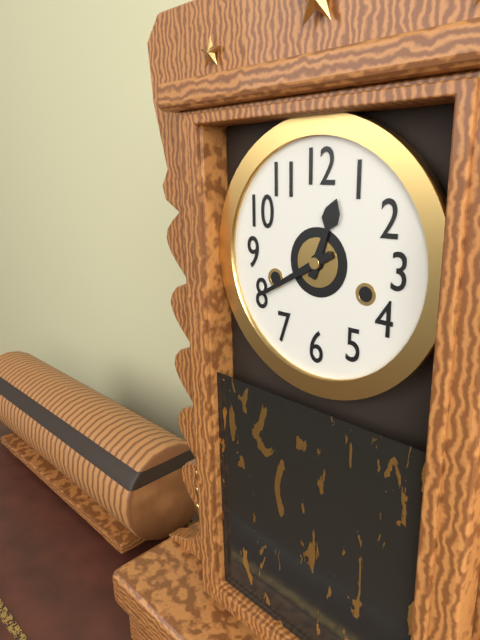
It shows 12h40
